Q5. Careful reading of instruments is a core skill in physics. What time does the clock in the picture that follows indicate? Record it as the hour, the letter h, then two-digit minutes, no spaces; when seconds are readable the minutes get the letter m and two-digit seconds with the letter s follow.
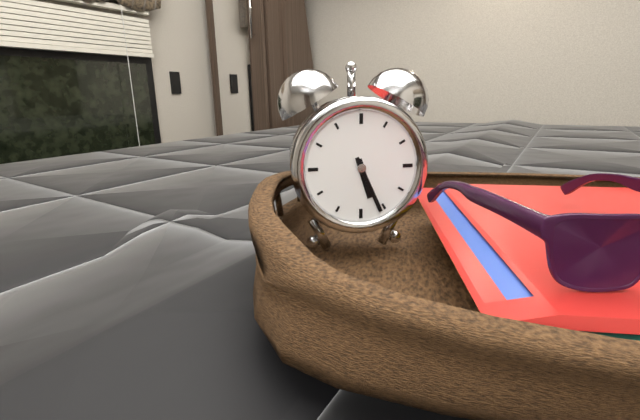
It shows 5h26
